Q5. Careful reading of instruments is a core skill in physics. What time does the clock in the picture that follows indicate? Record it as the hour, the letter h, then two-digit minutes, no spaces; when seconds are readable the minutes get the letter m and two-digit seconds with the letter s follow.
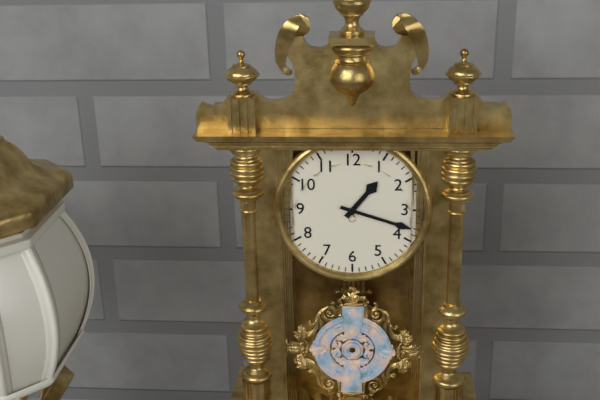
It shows 1h18
